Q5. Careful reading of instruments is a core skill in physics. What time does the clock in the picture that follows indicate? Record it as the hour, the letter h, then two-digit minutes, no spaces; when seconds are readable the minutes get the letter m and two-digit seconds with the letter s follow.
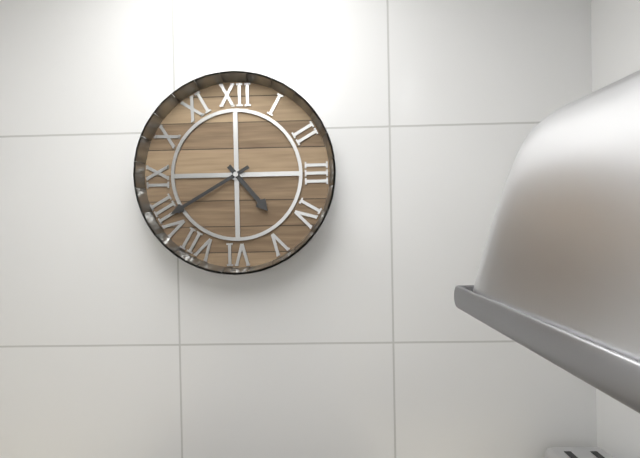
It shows 4h40
